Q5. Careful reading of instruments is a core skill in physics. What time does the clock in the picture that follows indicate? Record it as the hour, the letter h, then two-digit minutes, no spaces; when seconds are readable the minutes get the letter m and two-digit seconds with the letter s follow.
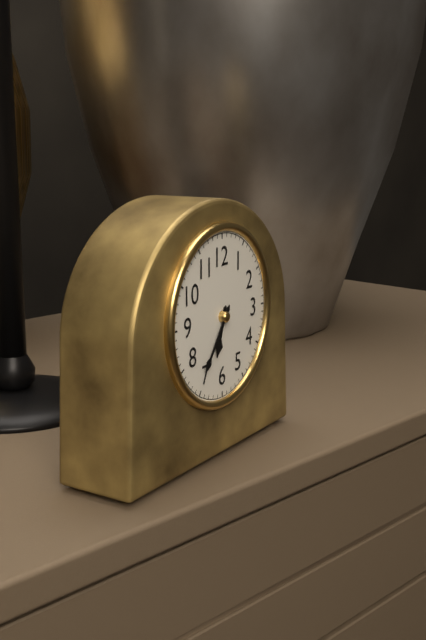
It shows 6h36
